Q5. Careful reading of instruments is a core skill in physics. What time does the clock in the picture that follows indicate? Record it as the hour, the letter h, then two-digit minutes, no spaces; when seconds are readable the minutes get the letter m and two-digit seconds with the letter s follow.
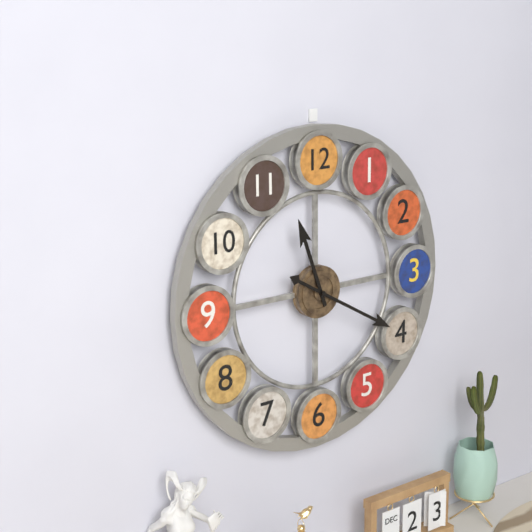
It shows 11h20
